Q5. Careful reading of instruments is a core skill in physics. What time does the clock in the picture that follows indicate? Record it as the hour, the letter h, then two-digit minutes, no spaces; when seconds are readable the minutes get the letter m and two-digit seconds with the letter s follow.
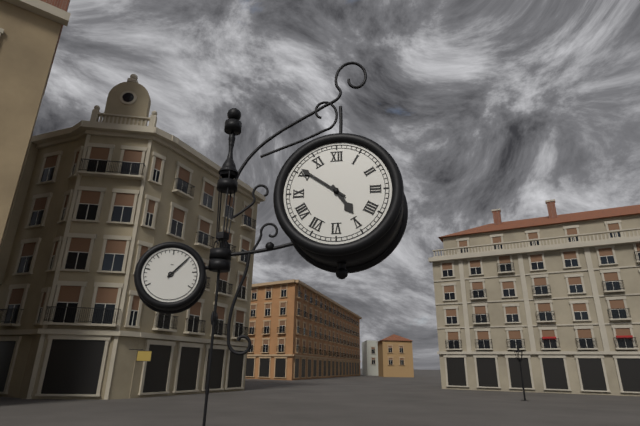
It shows 4h51
